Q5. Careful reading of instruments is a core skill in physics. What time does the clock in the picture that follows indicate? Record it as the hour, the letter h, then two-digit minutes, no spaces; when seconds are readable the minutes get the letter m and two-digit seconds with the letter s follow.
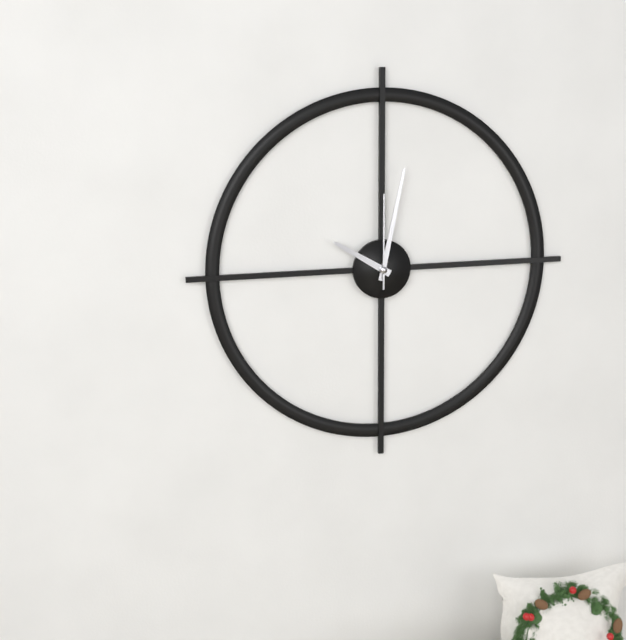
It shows 10h02m00s
